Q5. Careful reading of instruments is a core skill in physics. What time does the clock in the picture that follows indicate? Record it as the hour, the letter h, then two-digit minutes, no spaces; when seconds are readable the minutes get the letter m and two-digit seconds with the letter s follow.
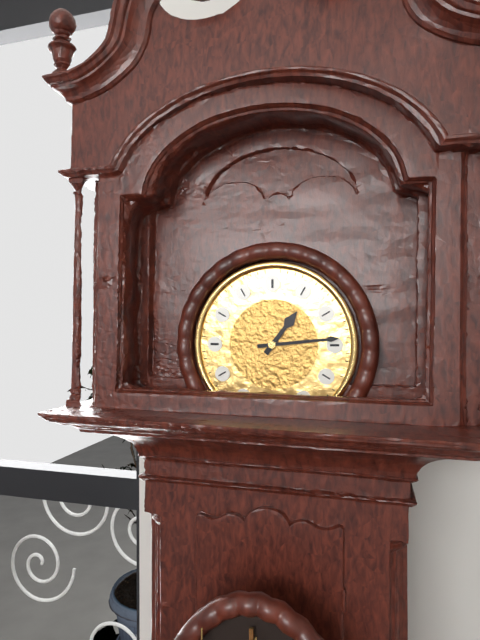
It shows 1h14
